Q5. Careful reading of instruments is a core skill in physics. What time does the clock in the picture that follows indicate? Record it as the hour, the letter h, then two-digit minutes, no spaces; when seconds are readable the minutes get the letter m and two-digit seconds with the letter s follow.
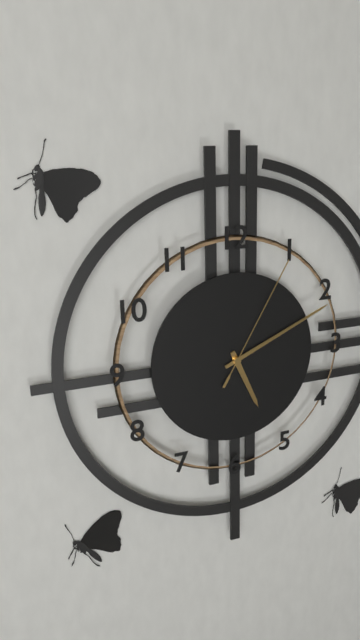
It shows 5h11m05s
